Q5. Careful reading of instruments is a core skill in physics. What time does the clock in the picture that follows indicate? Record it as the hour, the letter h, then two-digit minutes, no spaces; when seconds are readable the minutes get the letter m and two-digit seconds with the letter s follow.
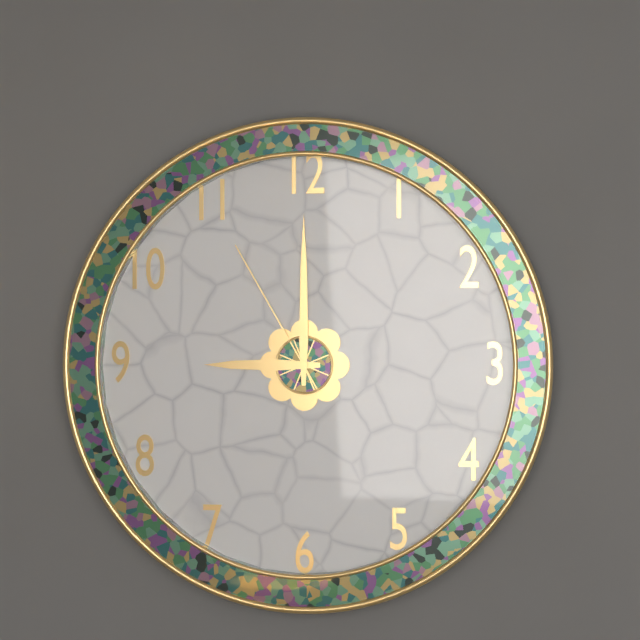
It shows 9h00m55s
